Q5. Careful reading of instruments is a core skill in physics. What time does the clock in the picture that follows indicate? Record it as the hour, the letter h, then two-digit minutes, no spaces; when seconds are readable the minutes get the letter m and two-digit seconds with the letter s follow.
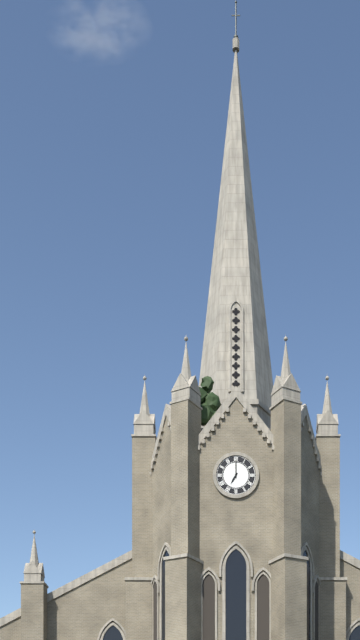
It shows 7h00
